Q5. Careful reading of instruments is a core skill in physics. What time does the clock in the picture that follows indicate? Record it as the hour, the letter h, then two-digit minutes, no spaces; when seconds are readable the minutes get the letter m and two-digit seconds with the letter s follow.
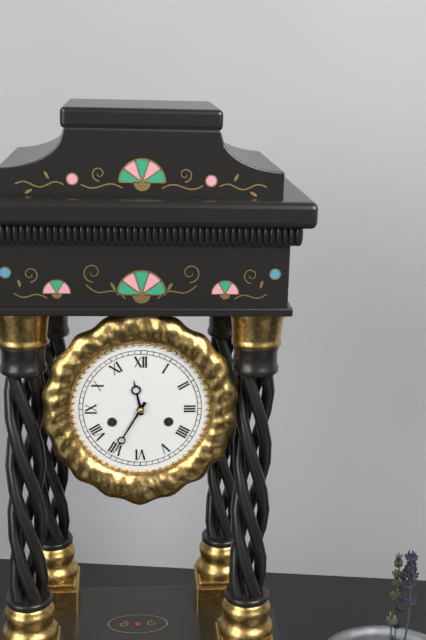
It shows 11h35
